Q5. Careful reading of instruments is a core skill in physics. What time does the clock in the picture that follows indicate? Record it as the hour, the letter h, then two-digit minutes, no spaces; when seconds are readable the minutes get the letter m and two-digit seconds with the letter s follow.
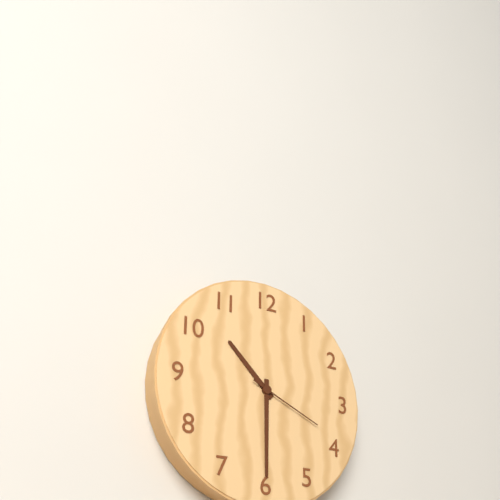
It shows 10h30m19s
